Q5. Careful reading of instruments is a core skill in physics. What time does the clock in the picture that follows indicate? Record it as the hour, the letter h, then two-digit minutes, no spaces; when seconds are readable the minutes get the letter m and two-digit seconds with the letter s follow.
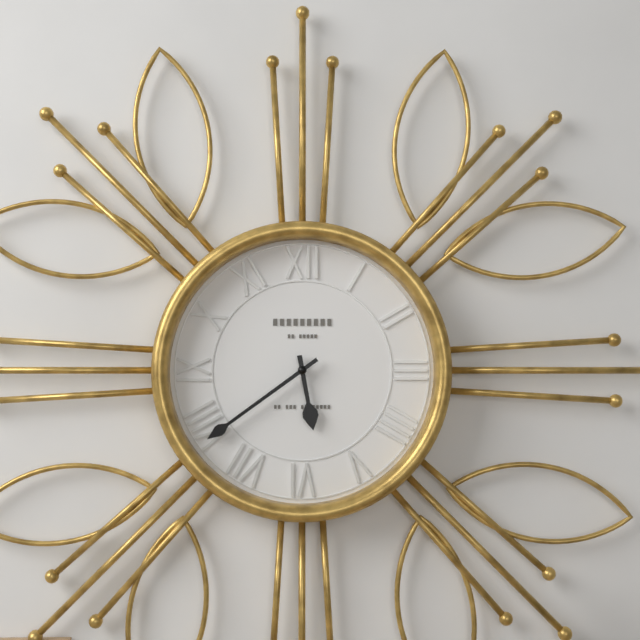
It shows 5h39
